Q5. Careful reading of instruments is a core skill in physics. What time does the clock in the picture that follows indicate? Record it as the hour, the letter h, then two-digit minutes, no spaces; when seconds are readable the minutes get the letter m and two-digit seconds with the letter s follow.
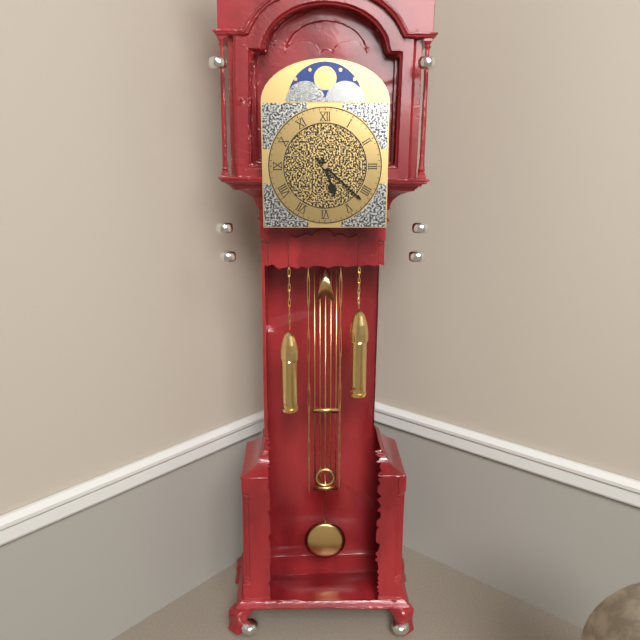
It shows 5h22
